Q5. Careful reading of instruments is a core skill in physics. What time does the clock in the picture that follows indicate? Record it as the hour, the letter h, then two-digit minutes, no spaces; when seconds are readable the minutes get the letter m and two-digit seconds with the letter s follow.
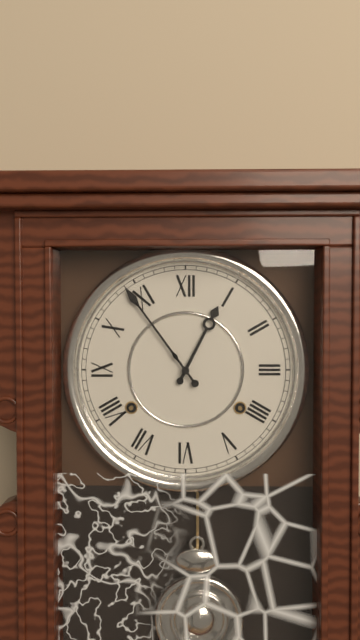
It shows 12h54
